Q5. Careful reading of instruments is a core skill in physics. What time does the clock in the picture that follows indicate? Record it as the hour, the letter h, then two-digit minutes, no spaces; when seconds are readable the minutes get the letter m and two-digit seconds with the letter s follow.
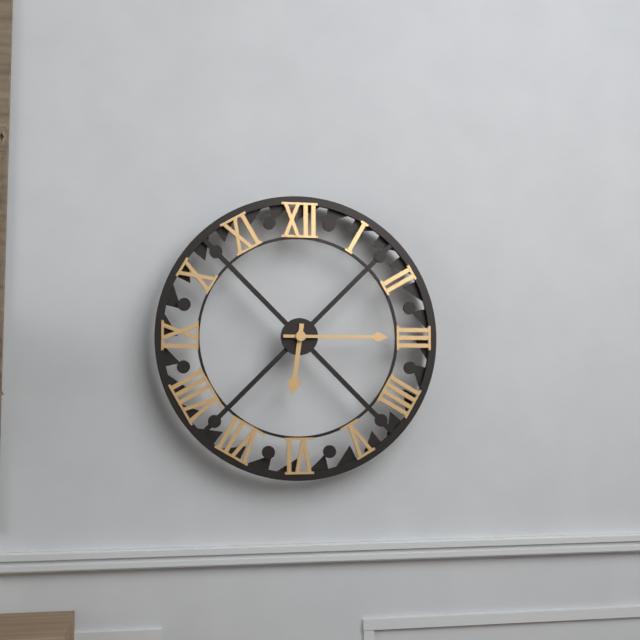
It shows 6h15
